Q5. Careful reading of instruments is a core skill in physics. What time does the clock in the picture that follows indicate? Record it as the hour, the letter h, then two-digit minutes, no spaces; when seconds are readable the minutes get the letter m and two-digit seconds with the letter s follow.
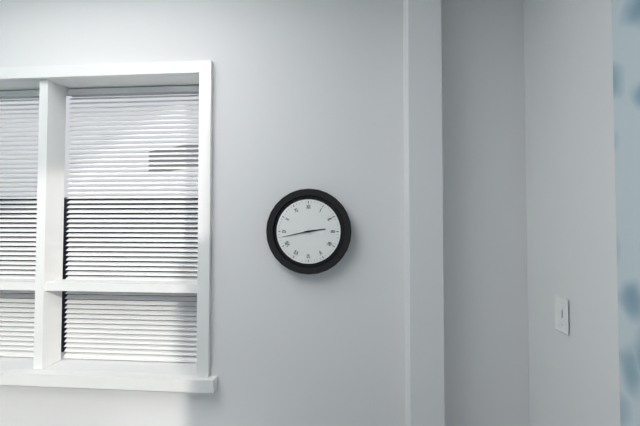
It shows 2h43
